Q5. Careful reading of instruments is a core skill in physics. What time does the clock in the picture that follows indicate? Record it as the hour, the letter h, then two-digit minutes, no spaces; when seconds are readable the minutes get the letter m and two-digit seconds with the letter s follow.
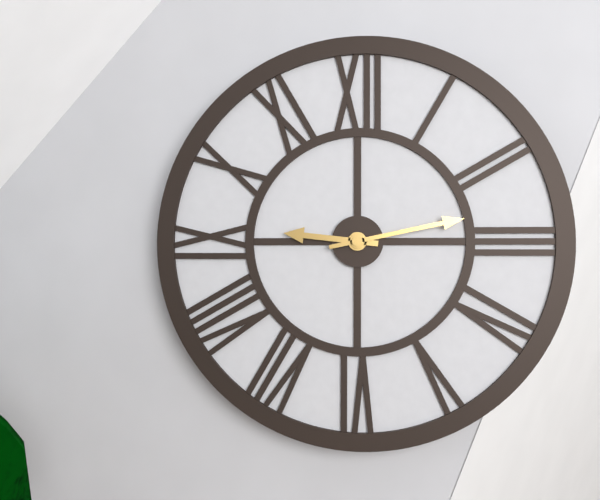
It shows 9h13
